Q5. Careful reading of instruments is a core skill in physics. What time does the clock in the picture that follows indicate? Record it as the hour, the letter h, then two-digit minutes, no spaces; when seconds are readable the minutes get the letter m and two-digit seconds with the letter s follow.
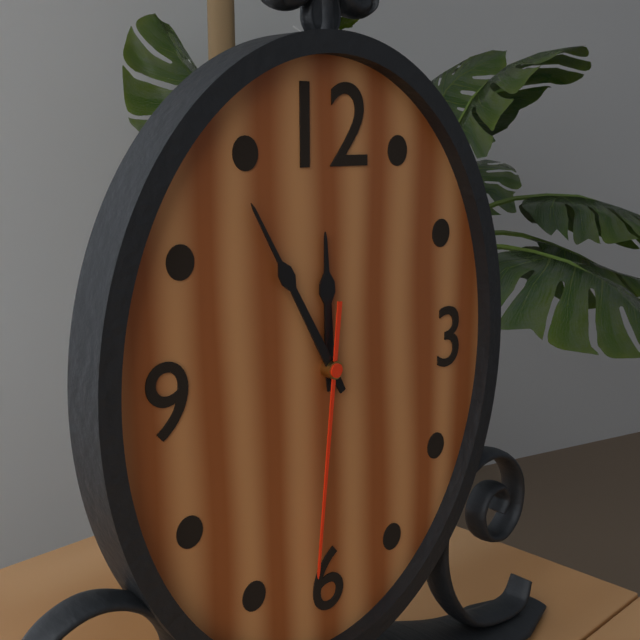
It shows 11h55m31s
